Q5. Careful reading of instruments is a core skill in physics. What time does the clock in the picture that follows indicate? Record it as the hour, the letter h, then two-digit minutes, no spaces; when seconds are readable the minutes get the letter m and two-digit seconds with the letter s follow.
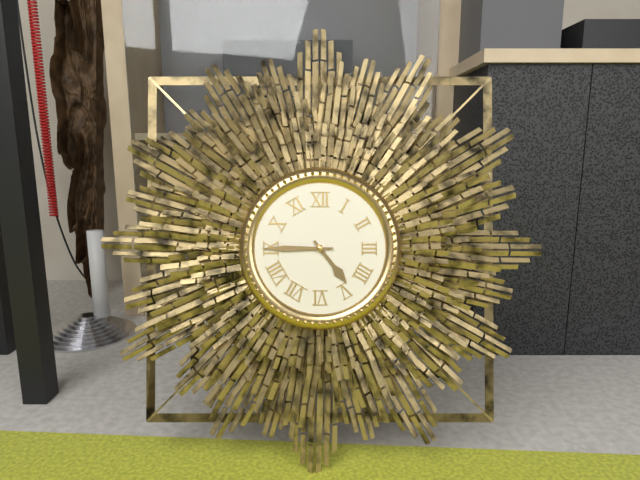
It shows 4h45
